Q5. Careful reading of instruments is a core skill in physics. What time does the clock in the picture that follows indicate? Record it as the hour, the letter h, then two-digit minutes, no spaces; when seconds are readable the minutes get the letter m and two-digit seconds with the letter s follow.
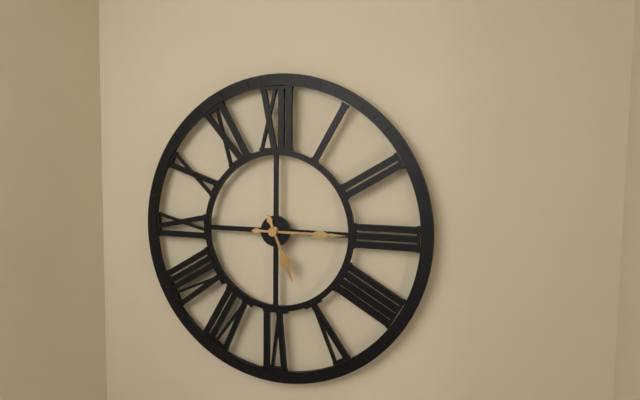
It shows 5h15
